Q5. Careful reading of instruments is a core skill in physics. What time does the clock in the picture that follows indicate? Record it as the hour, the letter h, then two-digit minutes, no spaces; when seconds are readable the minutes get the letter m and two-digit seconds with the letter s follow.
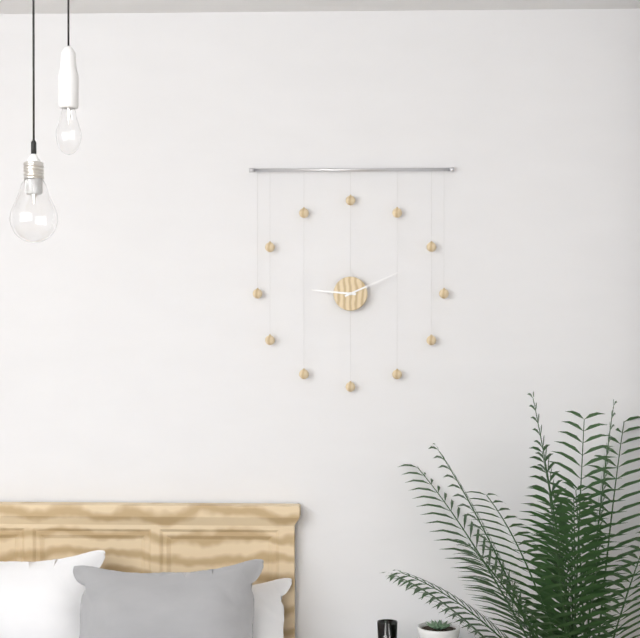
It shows 9h11
